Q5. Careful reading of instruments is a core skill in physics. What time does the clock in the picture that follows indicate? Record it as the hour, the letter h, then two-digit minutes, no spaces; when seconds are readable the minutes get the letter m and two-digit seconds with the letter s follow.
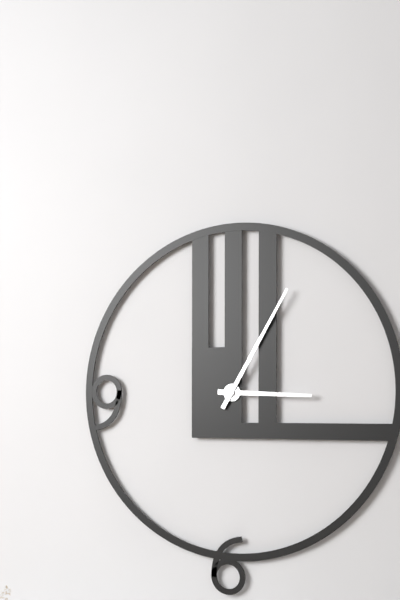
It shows 3h05
